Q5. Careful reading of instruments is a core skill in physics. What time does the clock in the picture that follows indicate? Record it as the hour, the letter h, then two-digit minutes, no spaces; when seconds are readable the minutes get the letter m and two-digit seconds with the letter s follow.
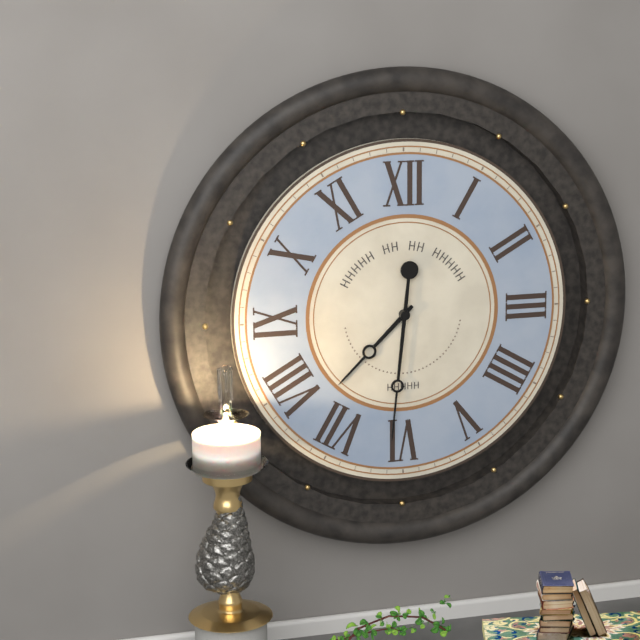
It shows 7h31
